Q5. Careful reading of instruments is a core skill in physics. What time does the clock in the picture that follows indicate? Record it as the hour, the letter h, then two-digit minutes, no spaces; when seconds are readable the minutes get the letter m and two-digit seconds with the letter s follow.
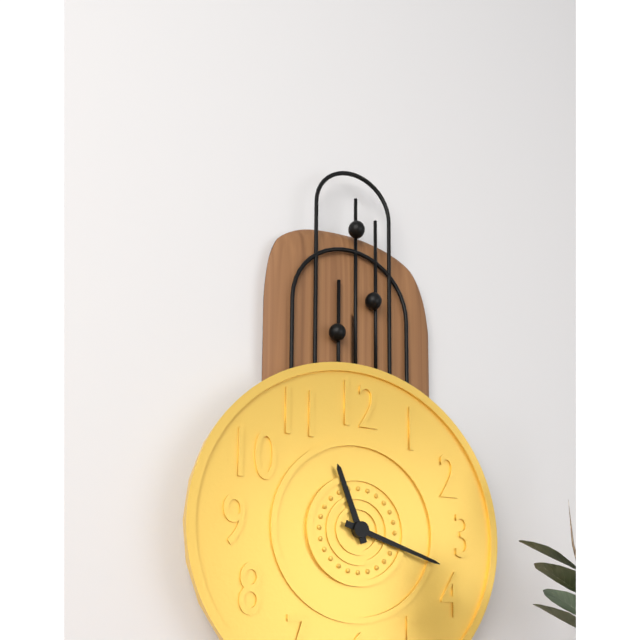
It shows 11h18
